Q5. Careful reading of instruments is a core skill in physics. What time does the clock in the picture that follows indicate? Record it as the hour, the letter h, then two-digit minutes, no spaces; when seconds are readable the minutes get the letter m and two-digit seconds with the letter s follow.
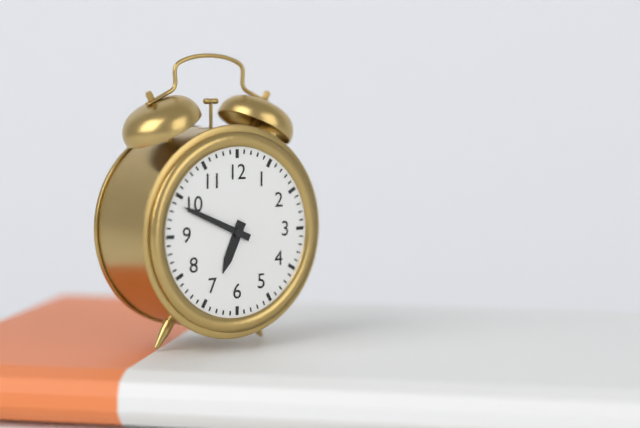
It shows 6h49
